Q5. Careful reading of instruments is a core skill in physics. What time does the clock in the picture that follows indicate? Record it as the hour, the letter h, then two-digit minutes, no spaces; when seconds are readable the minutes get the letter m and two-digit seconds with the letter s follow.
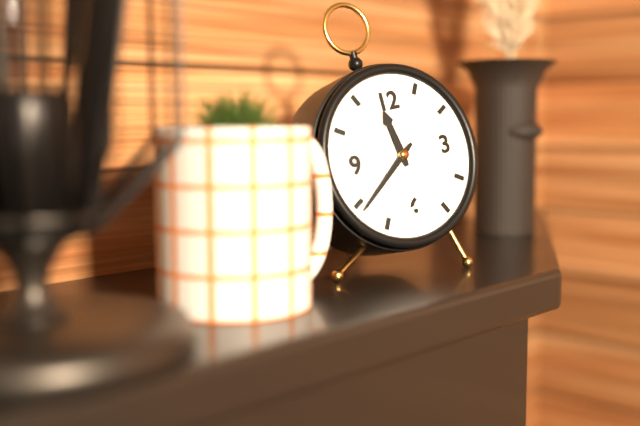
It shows 11h39
